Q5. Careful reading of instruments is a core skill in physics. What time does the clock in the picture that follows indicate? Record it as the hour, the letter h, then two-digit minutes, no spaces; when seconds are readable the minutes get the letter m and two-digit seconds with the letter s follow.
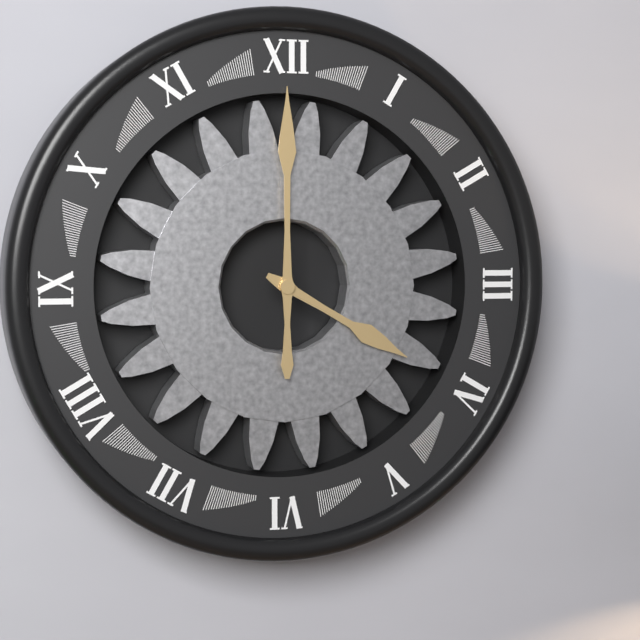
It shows 4h00
